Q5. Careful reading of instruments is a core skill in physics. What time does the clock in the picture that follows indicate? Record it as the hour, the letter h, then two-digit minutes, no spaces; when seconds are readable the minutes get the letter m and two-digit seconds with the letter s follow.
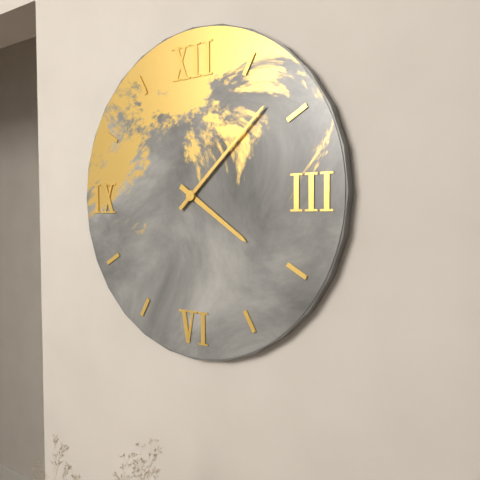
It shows 4h08
